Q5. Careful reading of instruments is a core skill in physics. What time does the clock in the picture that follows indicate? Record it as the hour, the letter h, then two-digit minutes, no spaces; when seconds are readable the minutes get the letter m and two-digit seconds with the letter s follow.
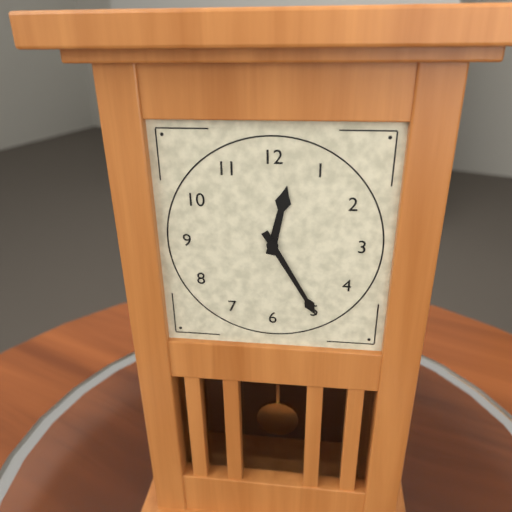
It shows 12h25
